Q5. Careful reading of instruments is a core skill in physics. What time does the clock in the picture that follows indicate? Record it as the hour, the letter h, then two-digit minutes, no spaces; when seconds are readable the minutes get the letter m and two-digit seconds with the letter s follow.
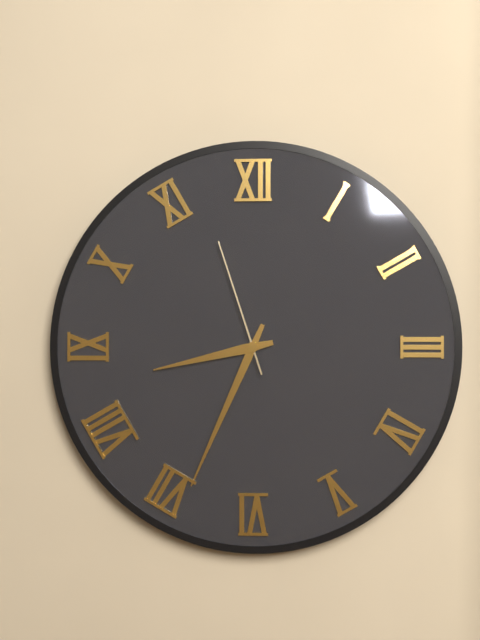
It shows 8h34m57s
